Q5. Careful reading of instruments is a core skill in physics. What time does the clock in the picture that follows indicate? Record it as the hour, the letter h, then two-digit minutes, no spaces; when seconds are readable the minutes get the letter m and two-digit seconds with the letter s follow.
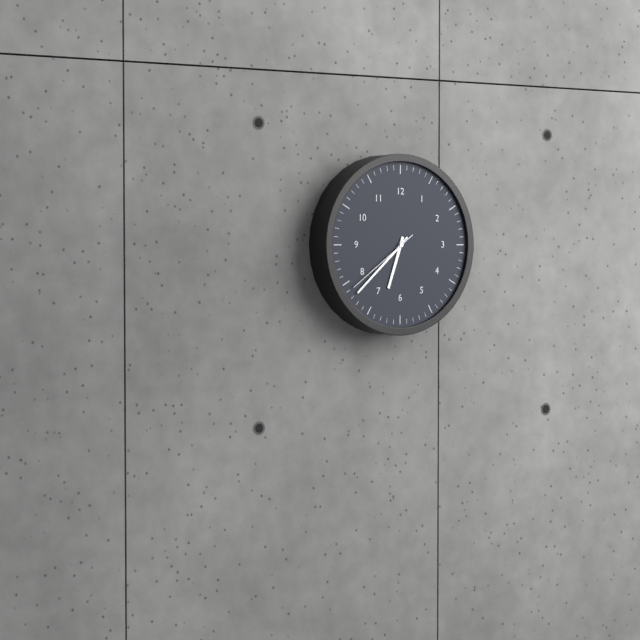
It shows 6h38m39s
